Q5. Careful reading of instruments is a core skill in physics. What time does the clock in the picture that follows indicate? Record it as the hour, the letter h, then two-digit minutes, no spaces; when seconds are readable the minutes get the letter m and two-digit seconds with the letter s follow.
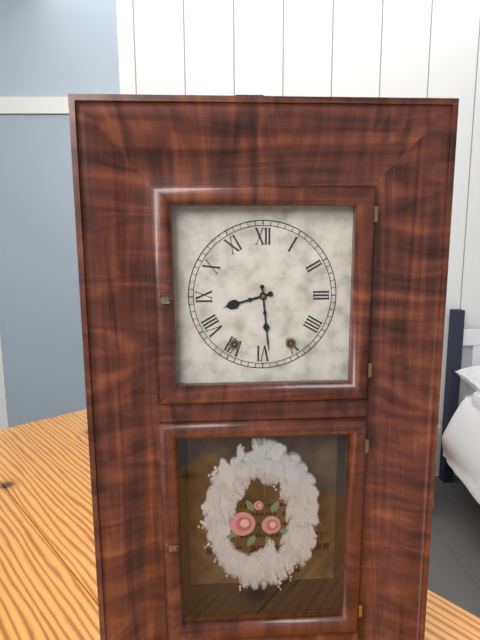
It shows 8h29
